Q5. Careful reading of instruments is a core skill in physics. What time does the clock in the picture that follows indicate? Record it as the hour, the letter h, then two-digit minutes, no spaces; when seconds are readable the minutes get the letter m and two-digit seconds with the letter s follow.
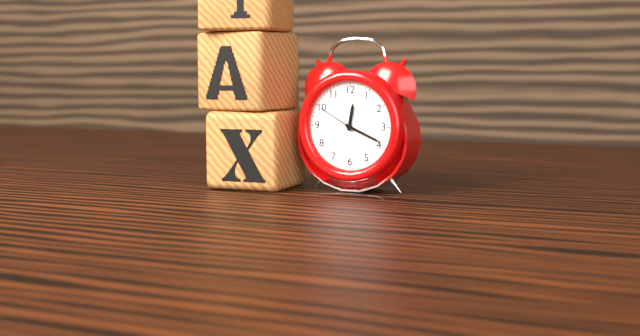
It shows 12h19
